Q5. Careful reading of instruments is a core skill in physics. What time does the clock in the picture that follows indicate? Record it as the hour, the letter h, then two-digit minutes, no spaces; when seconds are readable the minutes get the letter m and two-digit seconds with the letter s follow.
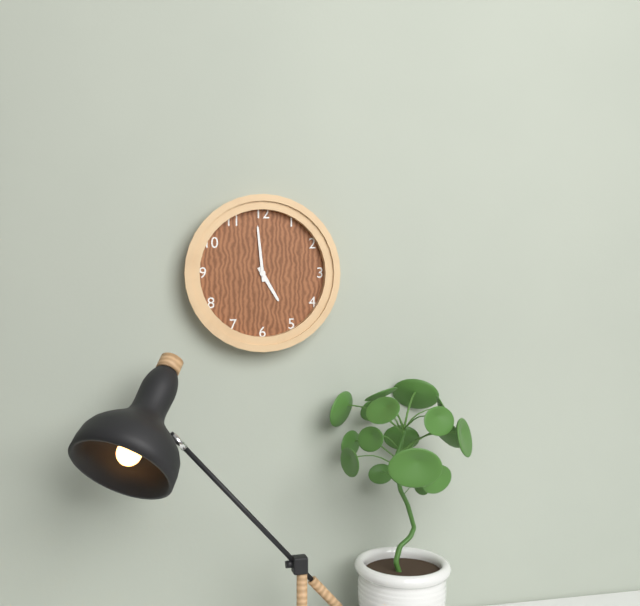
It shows 4h59
